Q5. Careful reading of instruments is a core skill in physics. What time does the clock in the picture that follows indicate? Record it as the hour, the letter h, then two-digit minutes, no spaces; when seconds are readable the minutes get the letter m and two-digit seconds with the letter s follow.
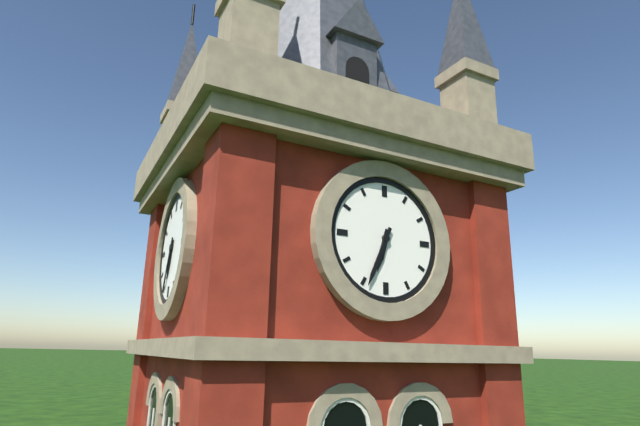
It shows 6h34
